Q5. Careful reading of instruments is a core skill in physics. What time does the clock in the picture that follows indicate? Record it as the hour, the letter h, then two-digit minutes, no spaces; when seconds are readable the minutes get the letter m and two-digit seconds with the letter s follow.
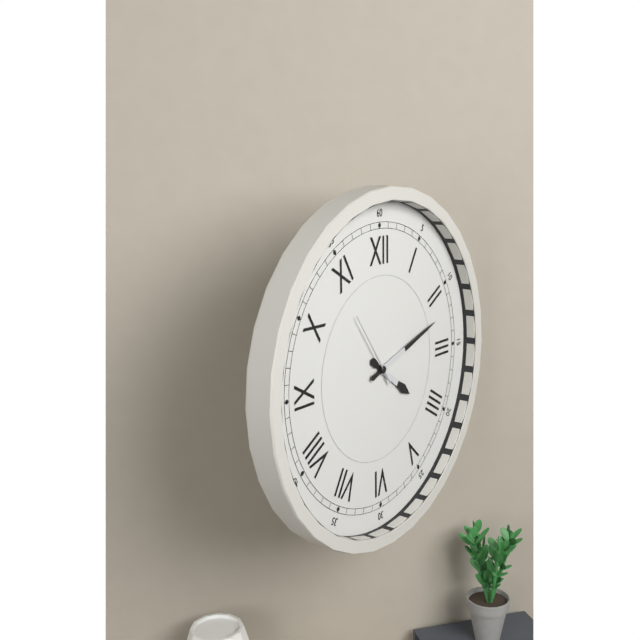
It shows 4h12m54s
